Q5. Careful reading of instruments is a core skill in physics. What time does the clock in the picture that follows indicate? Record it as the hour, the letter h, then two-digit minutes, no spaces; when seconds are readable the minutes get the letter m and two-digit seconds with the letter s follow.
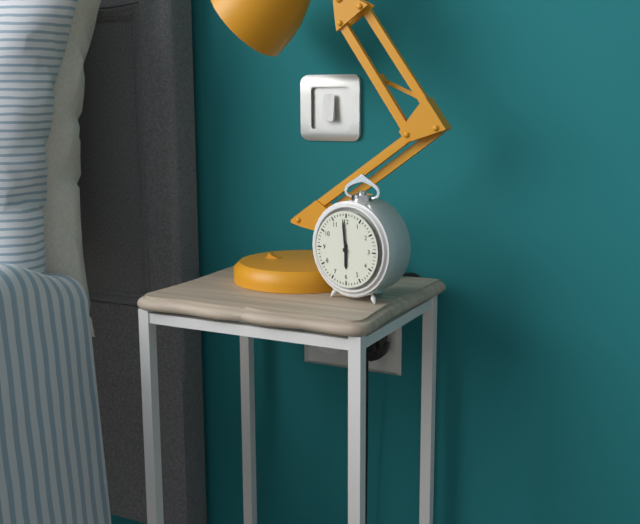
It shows 5h59
